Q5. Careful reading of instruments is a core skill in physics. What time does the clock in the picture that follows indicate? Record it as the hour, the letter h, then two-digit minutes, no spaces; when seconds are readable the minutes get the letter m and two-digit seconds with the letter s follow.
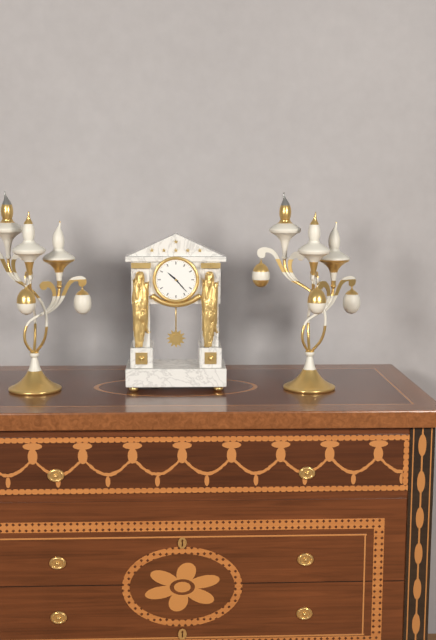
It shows 10h23
